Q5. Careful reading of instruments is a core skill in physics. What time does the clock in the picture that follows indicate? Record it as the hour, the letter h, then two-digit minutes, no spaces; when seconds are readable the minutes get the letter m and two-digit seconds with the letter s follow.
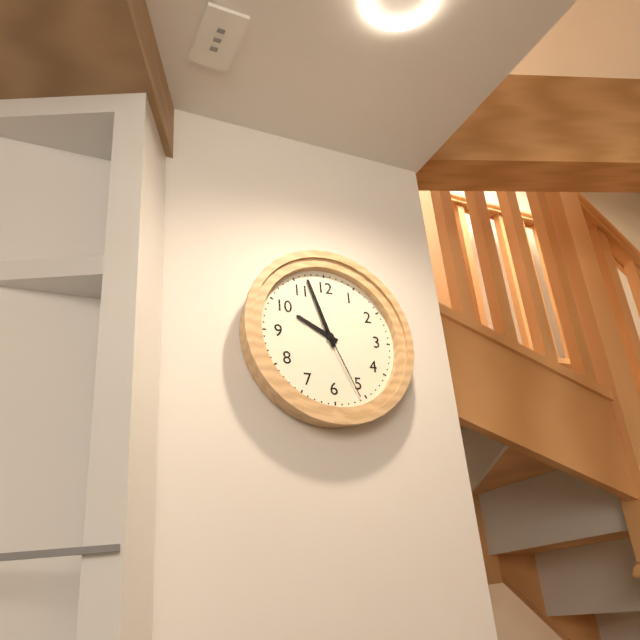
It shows 9h57m26s
